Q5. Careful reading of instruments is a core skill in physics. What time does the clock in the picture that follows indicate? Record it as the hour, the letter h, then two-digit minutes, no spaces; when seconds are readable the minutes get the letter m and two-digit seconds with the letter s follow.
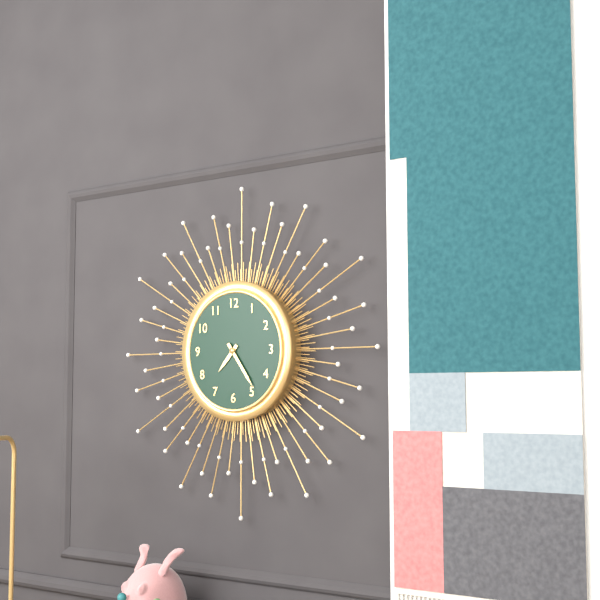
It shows 7h24
